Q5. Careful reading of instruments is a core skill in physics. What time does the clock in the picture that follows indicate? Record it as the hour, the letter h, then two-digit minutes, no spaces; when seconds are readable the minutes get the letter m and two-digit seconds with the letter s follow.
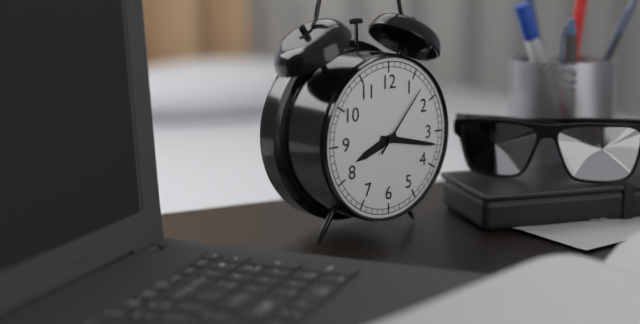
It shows 8h17m07s
